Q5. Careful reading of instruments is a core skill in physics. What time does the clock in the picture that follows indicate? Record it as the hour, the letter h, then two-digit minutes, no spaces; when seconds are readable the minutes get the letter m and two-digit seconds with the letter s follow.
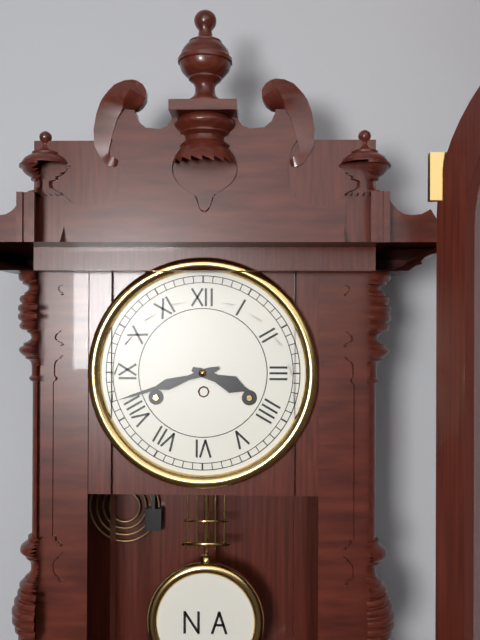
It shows 3h42
